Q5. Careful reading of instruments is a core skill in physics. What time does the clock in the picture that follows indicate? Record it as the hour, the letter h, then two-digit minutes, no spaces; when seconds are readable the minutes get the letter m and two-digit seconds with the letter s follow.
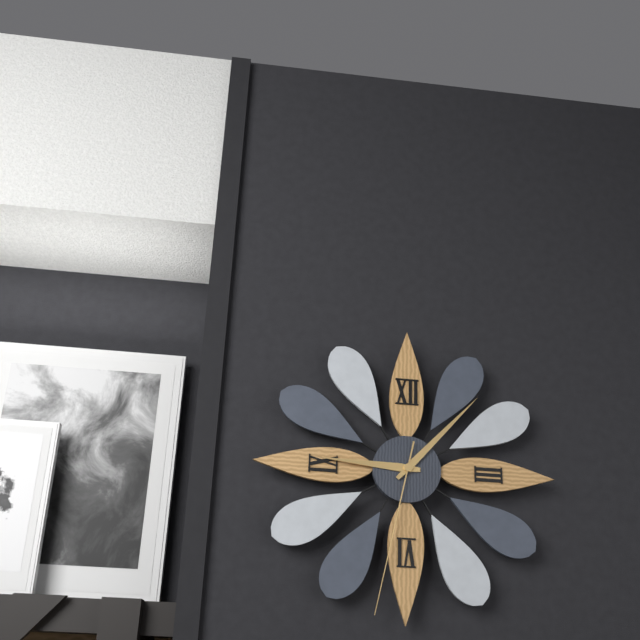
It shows 9h07m32s
